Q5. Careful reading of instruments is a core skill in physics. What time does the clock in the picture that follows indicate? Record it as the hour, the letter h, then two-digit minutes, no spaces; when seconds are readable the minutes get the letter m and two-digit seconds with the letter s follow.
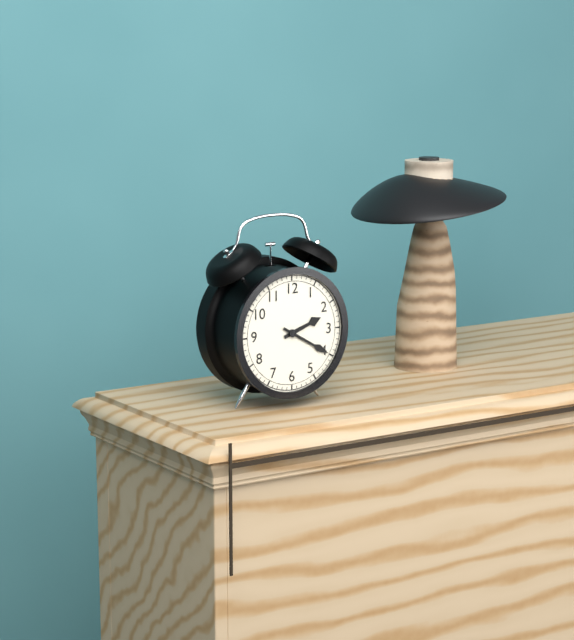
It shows 2h20
